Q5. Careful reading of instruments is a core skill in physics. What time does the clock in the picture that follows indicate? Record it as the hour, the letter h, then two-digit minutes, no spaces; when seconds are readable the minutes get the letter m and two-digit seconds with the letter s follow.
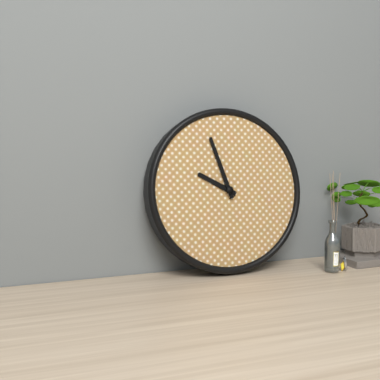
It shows 9h57
